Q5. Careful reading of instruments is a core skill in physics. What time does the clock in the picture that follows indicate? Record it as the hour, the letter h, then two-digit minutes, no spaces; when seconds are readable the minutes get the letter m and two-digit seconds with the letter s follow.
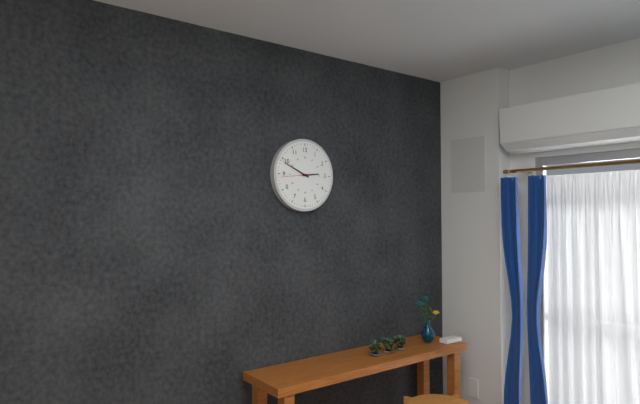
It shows 2h49
